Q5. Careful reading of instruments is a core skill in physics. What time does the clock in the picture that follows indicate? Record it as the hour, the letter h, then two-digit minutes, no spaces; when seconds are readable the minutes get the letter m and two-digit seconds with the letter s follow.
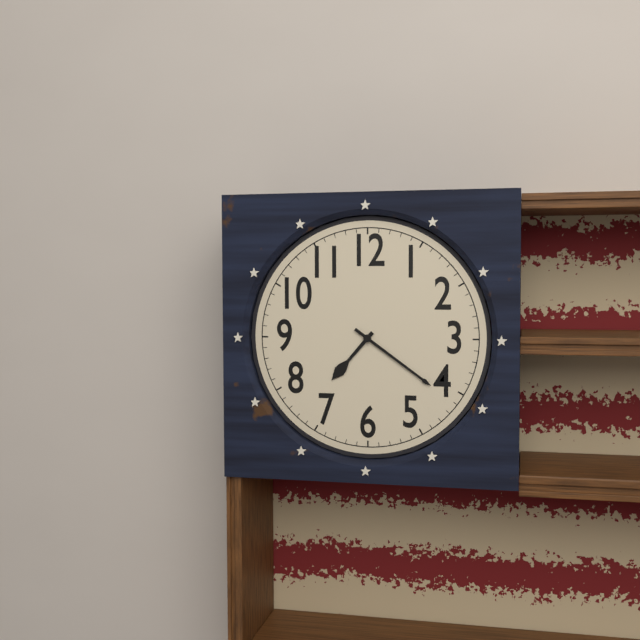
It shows 7h21
